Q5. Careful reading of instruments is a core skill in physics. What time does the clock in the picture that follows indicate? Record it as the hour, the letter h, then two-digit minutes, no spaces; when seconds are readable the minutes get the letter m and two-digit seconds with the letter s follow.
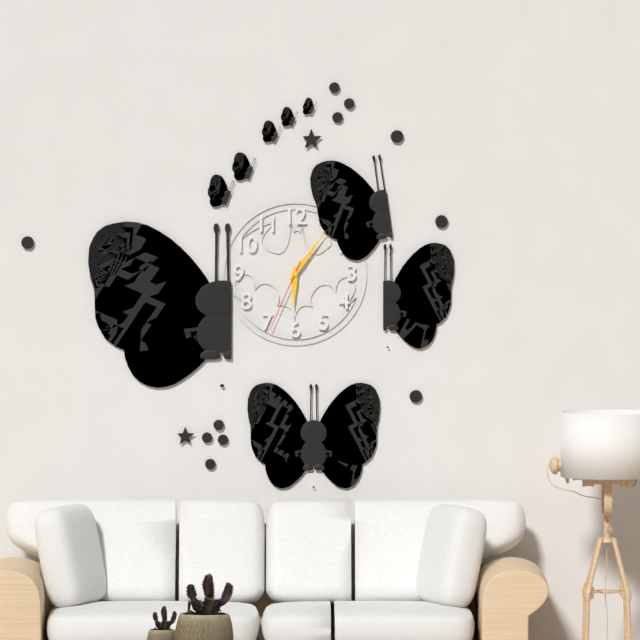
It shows 6h06m34s
